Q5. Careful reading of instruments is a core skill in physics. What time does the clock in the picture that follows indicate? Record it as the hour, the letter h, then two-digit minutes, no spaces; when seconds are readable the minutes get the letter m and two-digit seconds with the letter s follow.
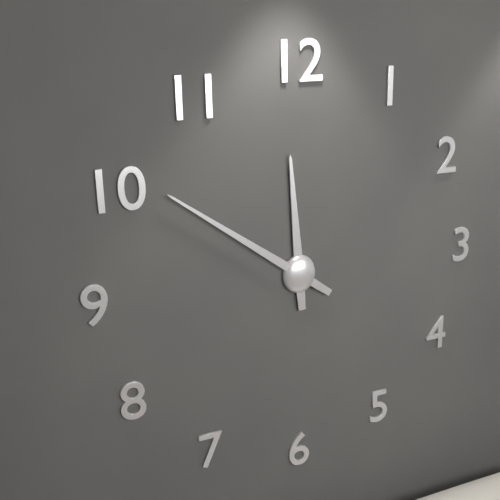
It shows 11h51
